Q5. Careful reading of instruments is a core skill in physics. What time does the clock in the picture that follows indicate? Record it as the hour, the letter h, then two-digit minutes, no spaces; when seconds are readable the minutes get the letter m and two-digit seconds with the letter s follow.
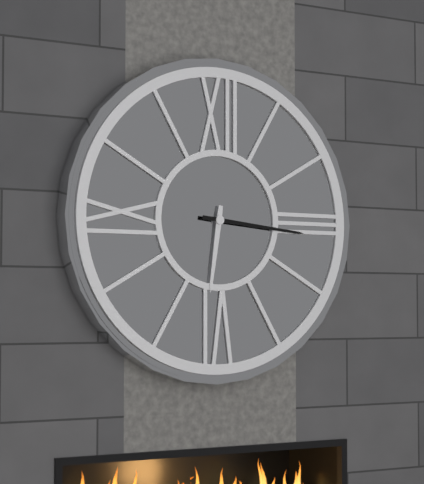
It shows 6h16
